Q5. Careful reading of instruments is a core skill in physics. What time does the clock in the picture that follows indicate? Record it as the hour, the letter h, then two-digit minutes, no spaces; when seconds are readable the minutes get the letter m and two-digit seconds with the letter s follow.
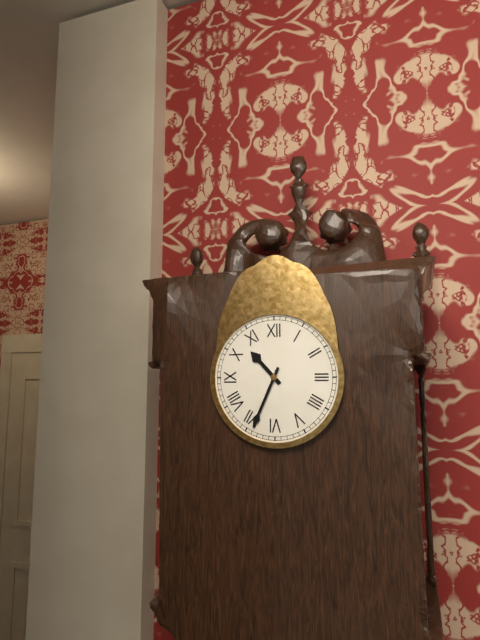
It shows 10h34
